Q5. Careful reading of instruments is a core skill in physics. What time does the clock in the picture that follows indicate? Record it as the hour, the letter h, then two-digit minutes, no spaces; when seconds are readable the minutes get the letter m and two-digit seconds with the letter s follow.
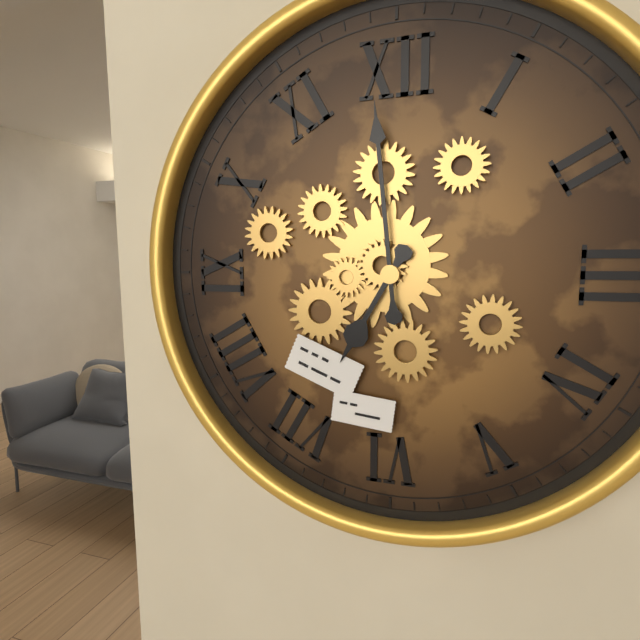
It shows 6h59
